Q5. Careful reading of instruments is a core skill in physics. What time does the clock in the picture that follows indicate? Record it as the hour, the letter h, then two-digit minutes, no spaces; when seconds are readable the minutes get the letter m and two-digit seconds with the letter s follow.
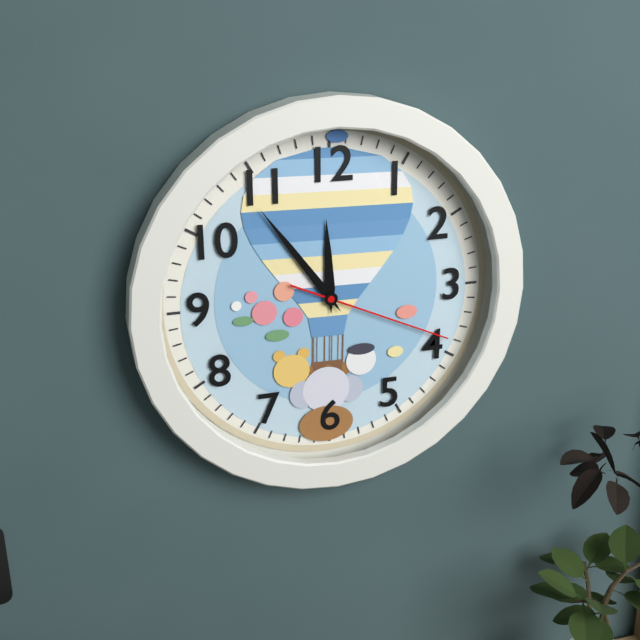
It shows 11h54m19s
